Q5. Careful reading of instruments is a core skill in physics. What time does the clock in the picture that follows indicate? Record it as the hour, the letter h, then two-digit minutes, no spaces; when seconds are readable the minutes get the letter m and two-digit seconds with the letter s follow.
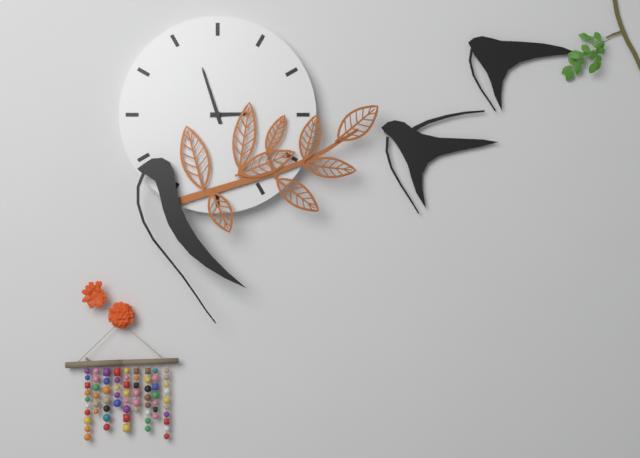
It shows 2h57
